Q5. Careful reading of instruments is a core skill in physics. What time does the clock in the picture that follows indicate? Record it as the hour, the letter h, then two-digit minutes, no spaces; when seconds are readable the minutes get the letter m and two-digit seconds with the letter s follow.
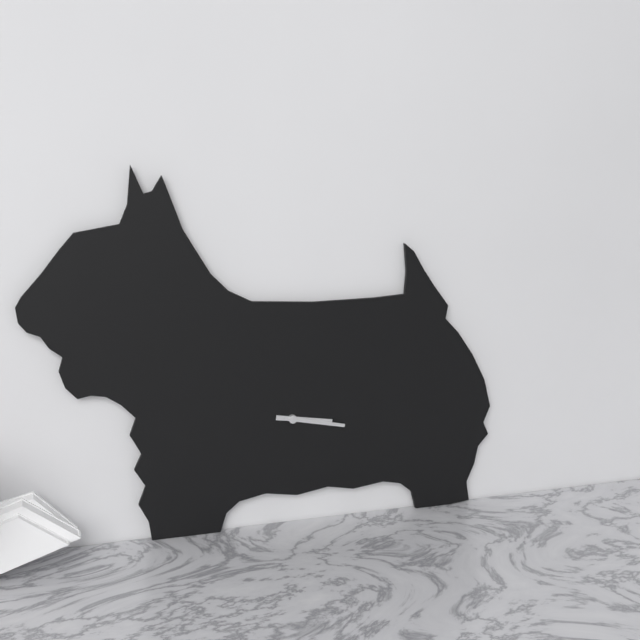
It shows 3h17
